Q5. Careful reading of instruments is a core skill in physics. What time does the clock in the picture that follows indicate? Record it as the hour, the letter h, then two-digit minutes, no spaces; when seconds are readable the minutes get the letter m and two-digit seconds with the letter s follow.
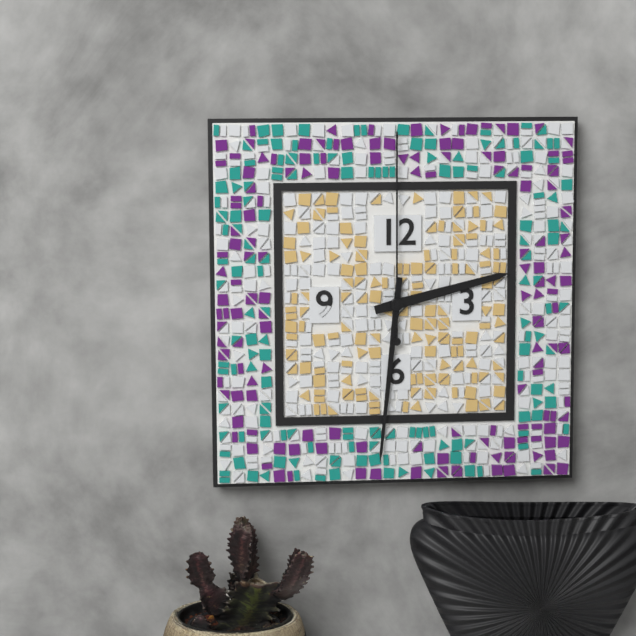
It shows 2h31m00s
